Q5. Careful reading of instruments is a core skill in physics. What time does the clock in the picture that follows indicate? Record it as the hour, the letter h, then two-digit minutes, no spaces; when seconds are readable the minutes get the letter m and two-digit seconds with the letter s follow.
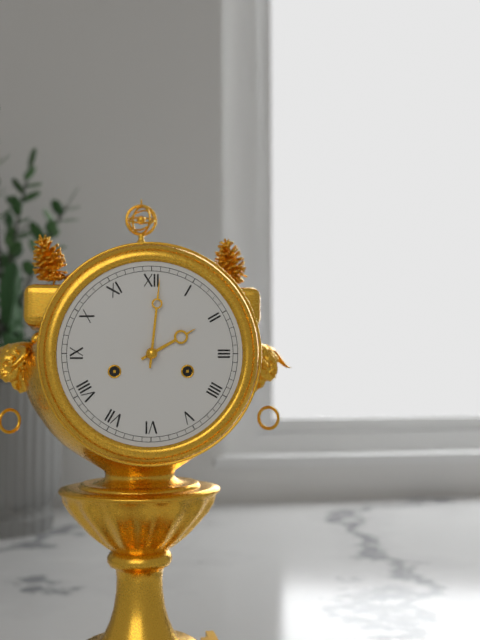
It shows 2h01
